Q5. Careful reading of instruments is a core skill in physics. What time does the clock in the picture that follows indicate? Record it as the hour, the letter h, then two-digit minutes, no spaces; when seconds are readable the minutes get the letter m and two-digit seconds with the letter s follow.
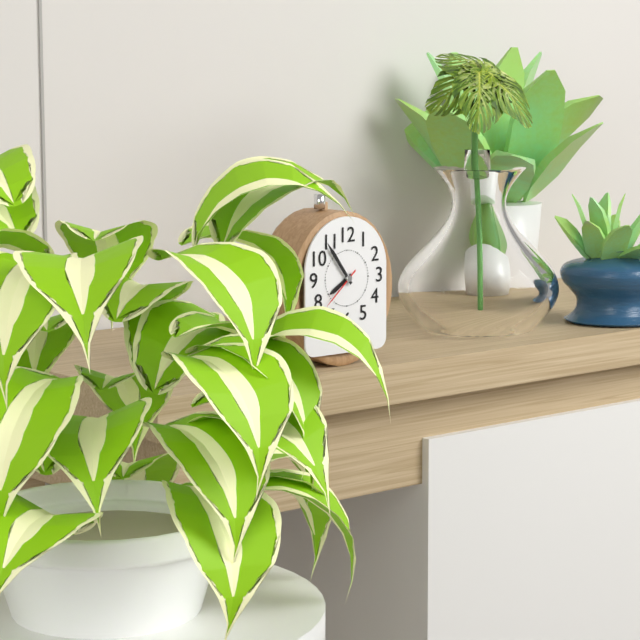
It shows 7h54
